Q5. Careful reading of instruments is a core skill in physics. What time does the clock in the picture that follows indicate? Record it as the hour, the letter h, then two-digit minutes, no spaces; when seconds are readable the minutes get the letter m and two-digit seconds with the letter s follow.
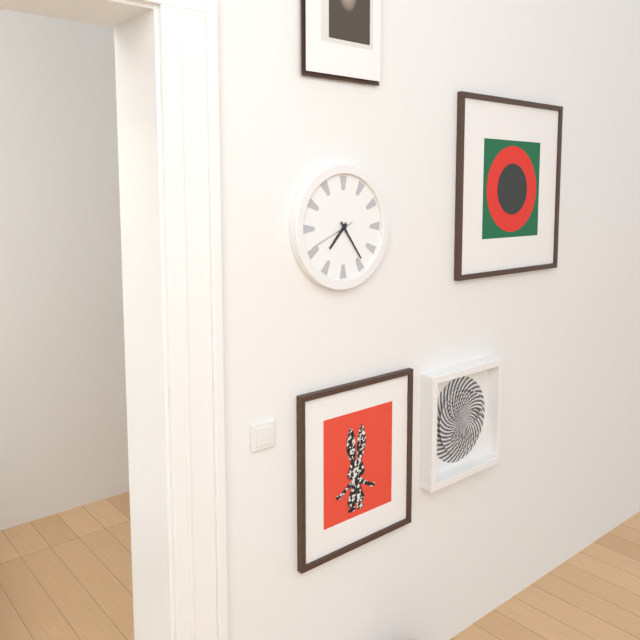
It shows 7h24
